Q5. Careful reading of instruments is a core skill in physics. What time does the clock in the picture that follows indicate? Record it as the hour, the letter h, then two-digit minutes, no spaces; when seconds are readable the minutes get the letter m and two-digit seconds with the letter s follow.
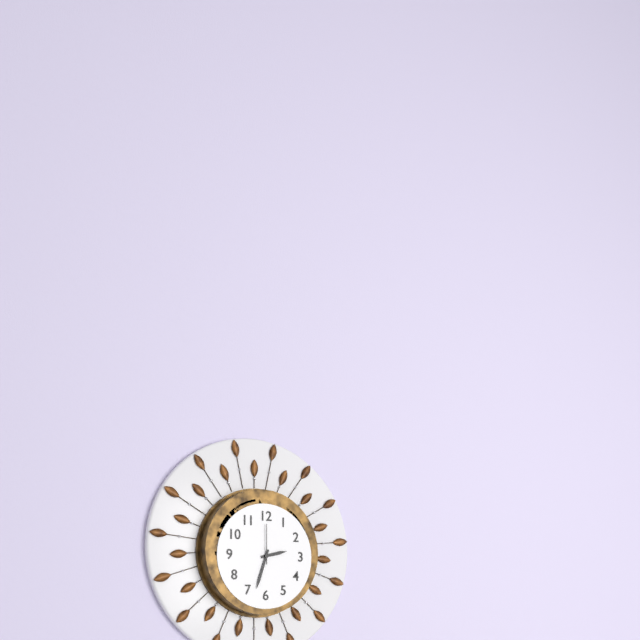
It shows 2h33
